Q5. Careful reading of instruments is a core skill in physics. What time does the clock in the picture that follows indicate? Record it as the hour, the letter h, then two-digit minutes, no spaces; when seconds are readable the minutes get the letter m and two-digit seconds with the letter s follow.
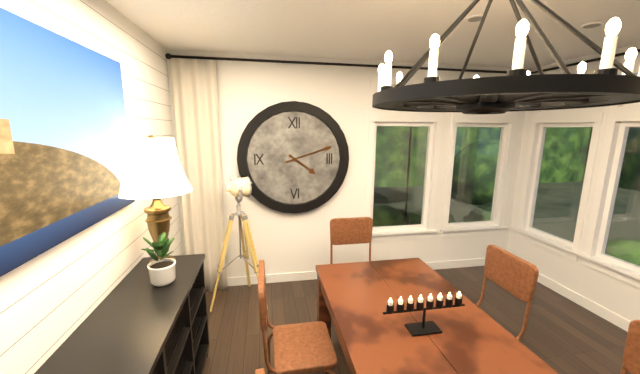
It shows 4h12
